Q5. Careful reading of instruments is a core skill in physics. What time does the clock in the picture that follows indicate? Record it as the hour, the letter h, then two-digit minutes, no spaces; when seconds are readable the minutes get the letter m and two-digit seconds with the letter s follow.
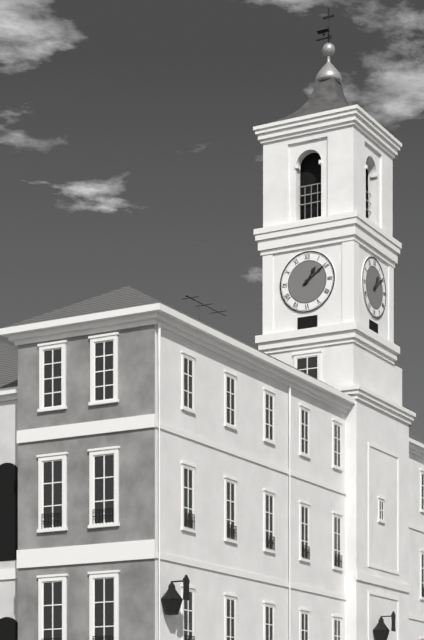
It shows 1h09
